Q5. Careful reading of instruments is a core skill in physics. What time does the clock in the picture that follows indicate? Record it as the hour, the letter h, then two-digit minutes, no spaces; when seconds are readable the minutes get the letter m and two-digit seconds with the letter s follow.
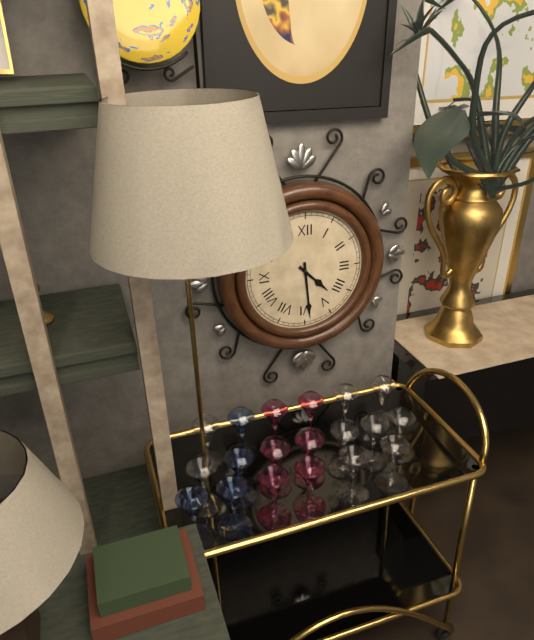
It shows 4h29
